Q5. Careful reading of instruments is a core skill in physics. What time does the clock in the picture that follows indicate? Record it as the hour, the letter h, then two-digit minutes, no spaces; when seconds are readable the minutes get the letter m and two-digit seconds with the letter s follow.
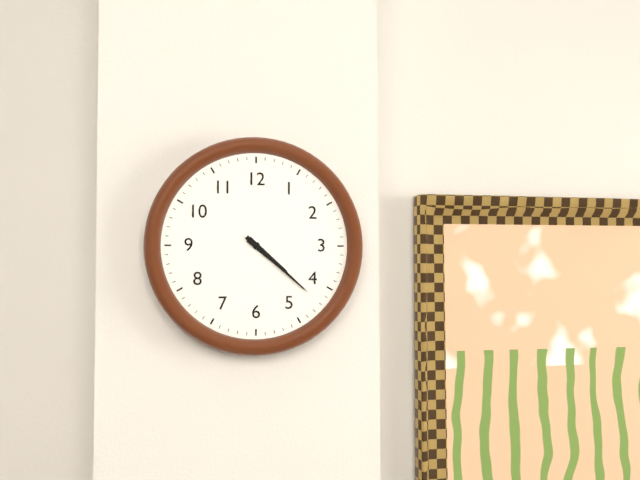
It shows 4h22
